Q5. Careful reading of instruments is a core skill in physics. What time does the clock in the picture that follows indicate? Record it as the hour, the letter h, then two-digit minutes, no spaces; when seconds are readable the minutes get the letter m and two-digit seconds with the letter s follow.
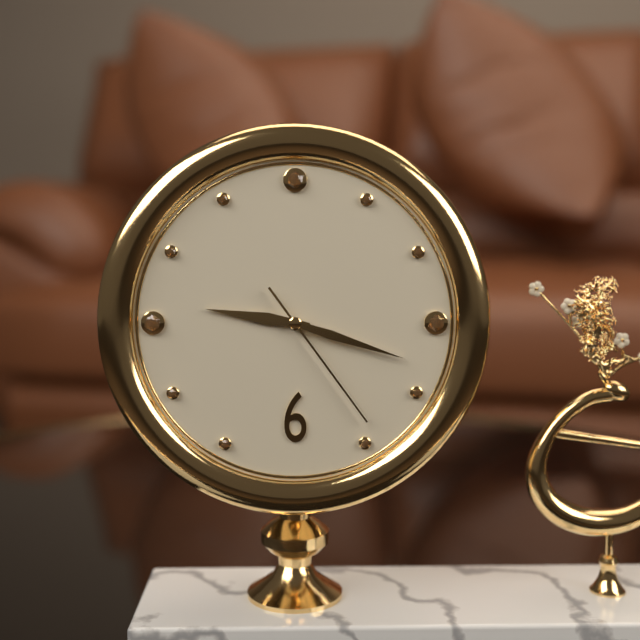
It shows 9h18m24s
